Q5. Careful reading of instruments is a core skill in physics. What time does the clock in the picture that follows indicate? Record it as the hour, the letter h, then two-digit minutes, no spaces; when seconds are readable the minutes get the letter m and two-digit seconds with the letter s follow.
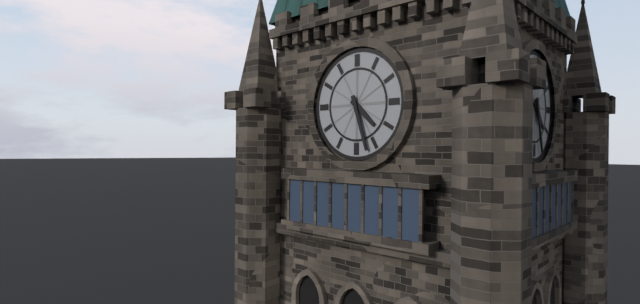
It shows 4h27
